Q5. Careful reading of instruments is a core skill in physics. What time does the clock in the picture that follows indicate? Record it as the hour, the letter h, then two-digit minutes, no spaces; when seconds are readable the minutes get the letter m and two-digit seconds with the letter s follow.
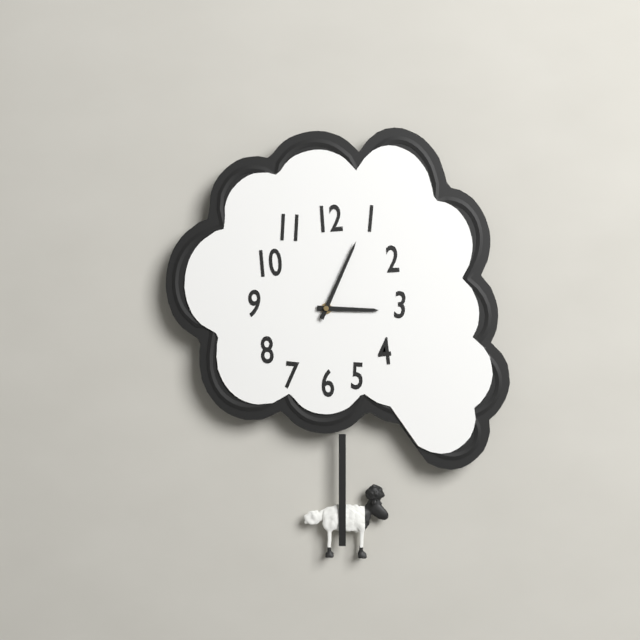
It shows 3h04
